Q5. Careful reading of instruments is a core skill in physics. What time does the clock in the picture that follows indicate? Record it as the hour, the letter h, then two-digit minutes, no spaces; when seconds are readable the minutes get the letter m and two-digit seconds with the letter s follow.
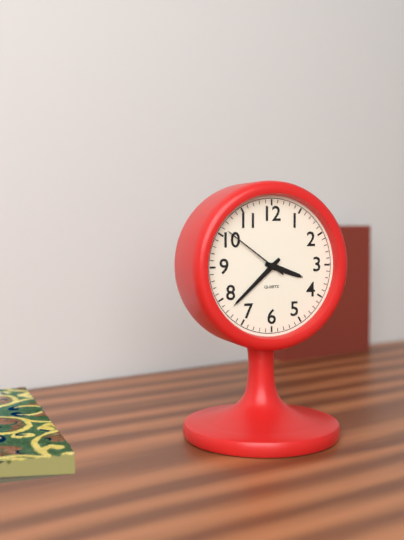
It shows 3h38m51s
